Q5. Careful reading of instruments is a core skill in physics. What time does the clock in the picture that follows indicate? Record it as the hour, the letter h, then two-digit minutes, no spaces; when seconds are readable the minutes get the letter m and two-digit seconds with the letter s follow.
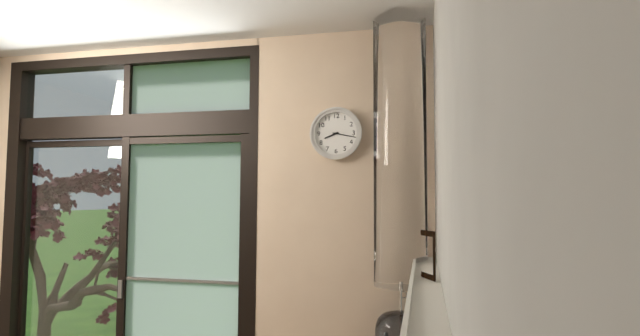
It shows 8h17
